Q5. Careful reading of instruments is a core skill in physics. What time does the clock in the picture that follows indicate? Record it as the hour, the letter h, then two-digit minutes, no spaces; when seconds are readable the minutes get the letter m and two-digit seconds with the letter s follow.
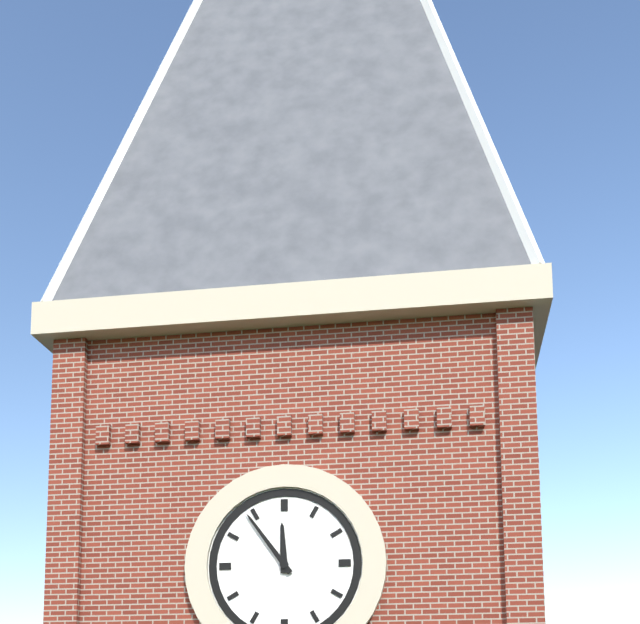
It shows 11h54
